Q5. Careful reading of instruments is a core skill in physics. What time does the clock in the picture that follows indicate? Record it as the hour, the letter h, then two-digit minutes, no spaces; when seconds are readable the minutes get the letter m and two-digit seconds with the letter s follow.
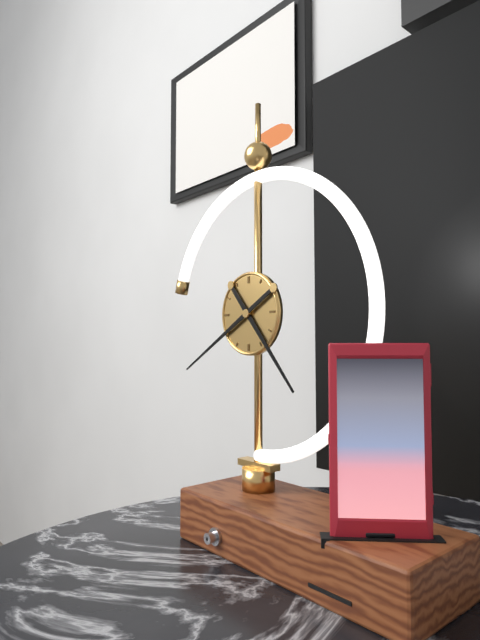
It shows 4h40
